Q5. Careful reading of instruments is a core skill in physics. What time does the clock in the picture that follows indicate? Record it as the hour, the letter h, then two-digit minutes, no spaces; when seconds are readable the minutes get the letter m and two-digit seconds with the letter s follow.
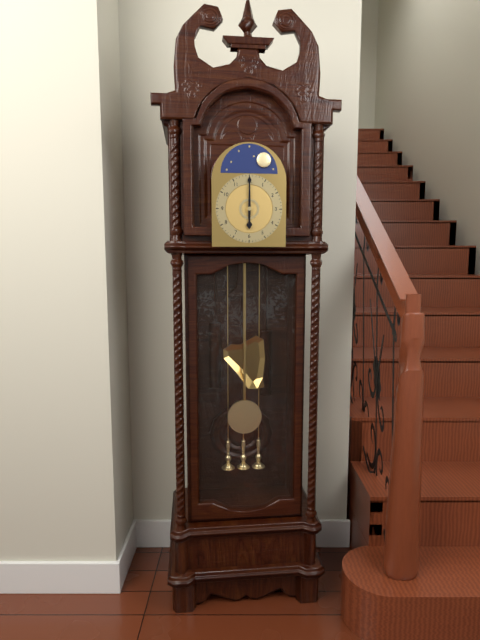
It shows 6h00
